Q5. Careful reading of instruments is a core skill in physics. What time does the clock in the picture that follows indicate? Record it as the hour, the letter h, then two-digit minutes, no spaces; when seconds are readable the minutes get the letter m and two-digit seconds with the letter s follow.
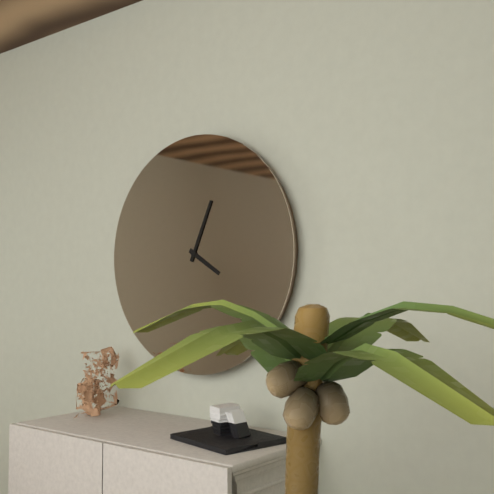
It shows 4h04
